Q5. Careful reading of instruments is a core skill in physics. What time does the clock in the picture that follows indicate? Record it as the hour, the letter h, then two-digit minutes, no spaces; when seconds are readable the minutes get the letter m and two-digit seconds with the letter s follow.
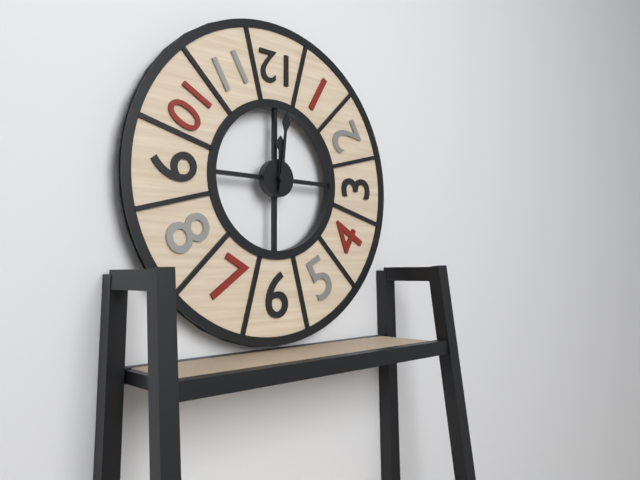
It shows 12h01
